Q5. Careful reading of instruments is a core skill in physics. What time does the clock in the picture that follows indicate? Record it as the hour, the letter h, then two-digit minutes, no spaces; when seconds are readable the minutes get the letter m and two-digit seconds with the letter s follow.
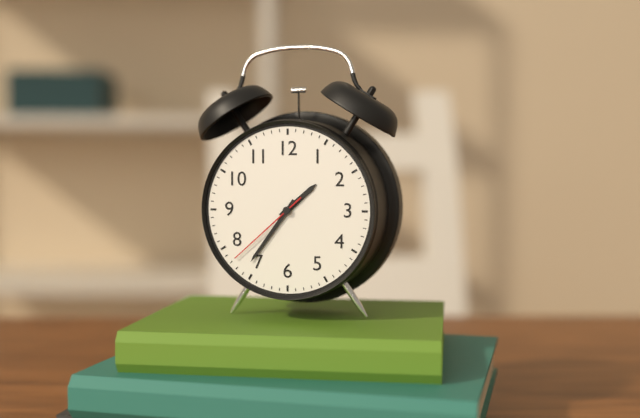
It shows 1h36m38s
